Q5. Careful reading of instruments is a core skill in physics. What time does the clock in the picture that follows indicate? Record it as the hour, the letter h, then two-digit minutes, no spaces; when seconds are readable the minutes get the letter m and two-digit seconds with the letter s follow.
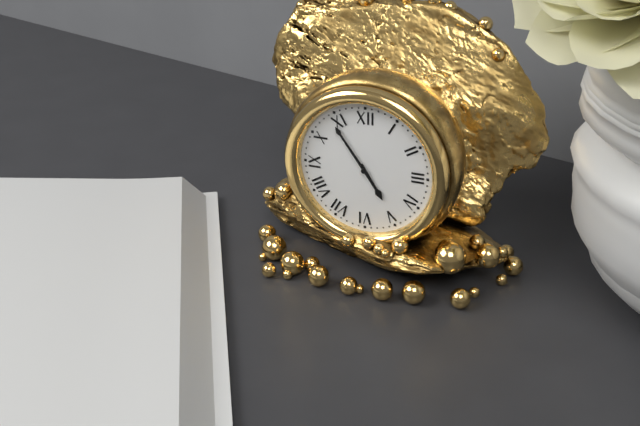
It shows 4h54
